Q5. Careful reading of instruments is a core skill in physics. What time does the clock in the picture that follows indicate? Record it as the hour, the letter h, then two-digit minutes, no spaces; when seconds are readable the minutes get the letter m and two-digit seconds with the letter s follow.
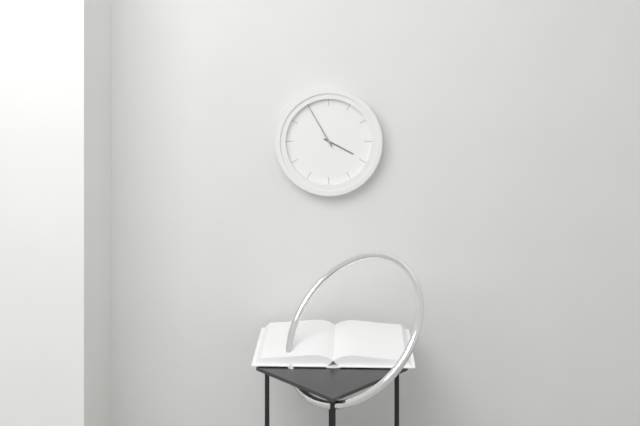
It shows 3h55
